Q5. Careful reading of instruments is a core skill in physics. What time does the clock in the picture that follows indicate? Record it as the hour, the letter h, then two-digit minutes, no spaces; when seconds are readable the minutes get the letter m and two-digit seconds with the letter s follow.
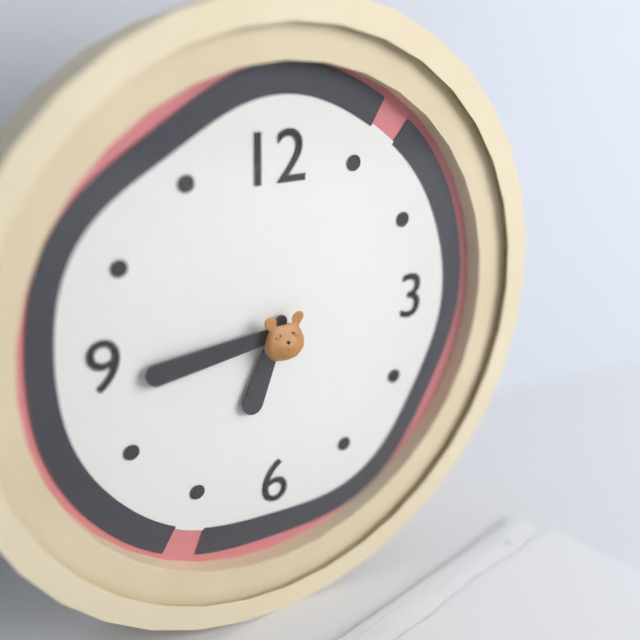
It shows 6h44
